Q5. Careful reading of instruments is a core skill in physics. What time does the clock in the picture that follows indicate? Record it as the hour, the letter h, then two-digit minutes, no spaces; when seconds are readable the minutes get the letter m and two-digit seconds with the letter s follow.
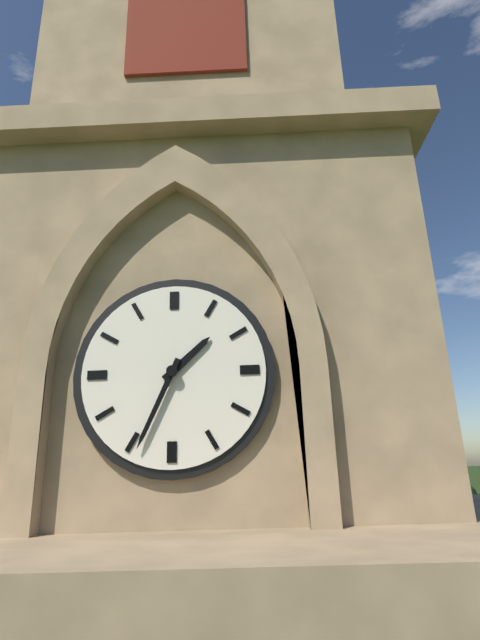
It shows 1h34
